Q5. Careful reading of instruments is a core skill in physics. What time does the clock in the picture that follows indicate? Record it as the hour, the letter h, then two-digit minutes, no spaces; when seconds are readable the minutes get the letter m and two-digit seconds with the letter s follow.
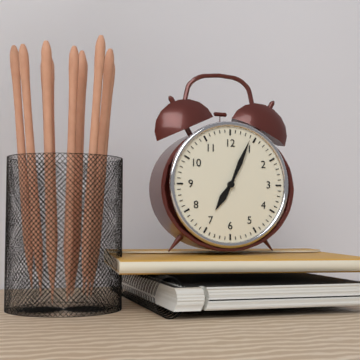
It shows 7h04
